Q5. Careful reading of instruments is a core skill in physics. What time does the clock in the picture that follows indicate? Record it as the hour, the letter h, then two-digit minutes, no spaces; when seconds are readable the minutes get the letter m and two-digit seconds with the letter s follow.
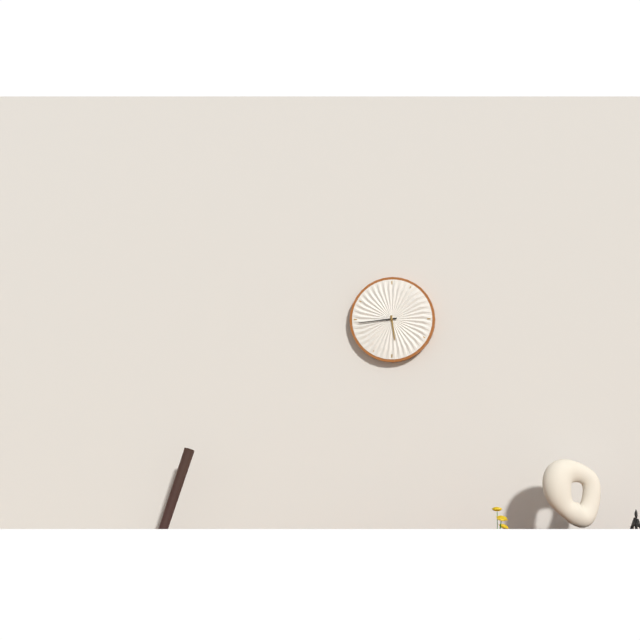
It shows 5h44
